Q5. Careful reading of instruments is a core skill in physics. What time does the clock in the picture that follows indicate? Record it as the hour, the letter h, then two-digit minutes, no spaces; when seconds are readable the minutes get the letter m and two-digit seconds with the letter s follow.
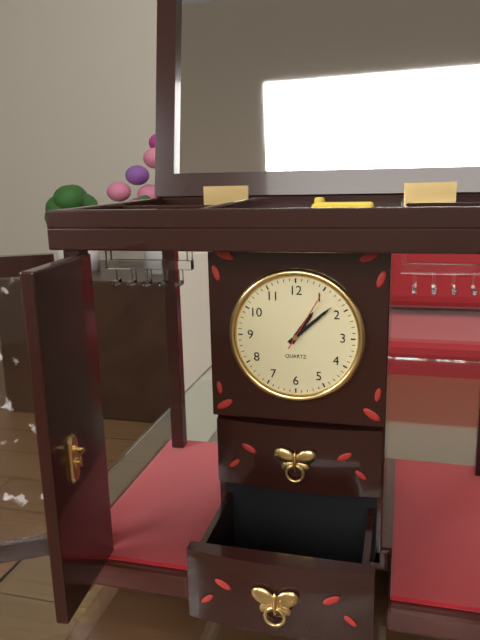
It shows 1h08m05s
